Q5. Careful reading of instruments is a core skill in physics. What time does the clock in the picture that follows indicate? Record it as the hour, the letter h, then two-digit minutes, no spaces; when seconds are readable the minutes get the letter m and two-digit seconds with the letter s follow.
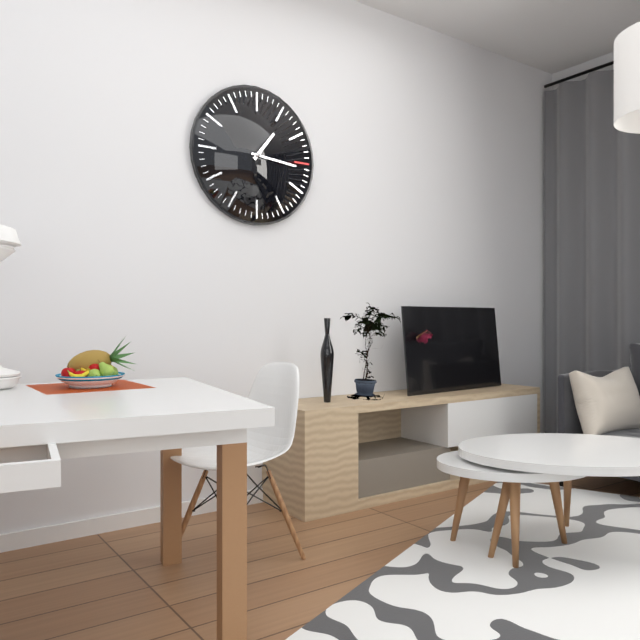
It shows 1h16
